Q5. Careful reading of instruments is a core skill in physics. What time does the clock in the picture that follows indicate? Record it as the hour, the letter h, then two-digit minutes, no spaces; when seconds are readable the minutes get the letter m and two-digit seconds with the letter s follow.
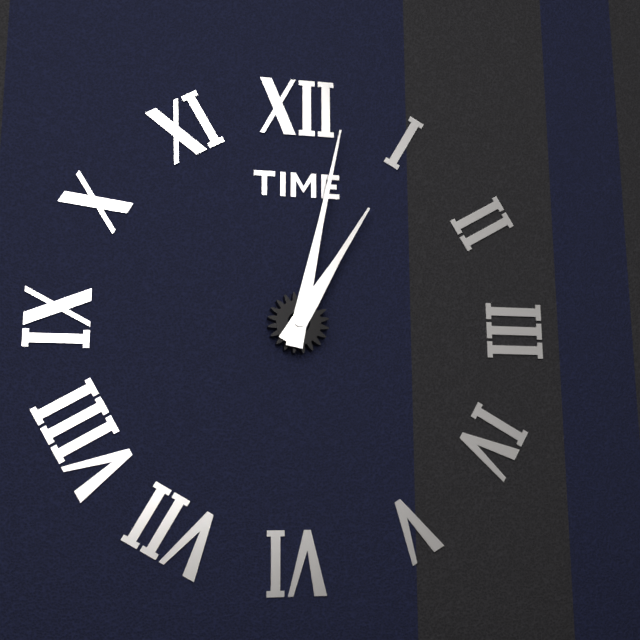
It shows 1h02
